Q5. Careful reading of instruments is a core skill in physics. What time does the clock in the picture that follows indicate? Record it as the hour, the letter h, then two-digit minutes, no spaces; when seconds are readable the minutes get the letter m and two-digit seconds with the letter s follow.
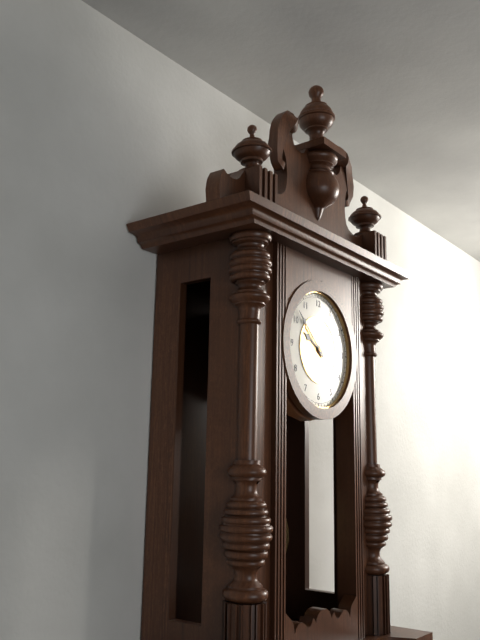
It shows 9h52
